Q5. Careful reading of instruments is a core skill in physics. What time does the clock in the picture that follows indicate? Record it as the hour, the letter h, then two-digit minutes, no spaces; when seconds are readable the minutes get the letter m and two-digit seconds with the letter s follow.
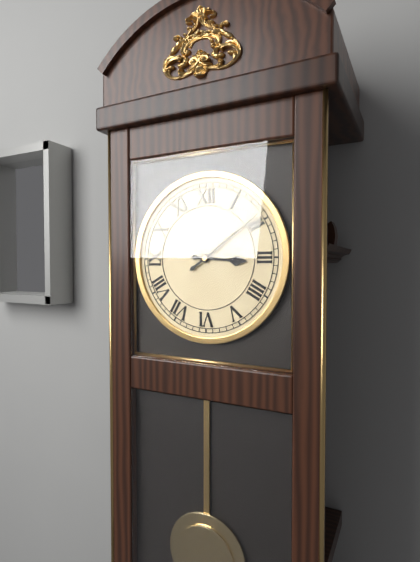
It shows 3h09
